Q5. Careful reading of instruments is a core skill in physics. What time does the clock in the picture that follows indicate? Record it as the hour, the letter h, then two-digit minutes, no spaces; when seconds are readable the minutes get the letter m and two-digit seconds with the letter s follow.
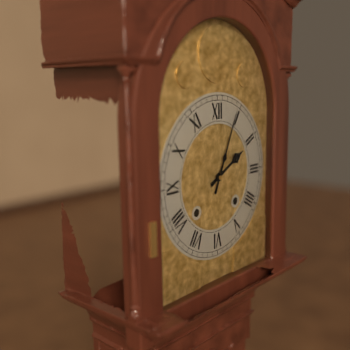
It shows 2h04
